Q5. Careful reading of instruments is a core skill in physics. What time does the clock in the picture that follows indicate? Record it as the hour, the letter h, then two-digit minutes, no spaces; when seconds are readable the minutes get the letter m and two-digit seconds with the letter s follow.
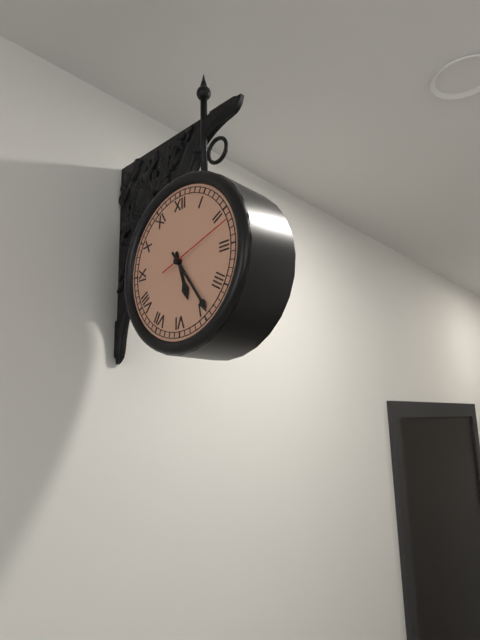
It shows 5h24m12s
